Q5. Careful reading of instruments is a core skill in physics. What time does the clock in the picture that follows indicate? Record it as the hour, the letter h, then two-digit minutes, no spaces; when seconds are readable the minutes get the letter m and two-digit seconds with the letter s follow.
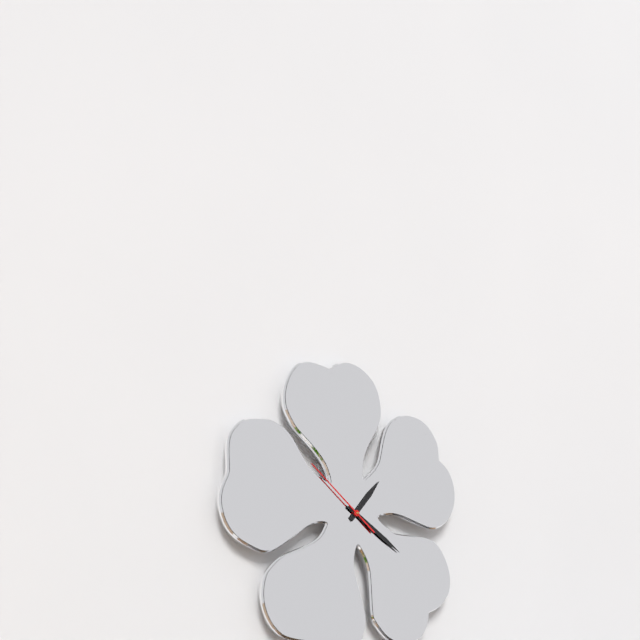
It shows 1h20m51s
